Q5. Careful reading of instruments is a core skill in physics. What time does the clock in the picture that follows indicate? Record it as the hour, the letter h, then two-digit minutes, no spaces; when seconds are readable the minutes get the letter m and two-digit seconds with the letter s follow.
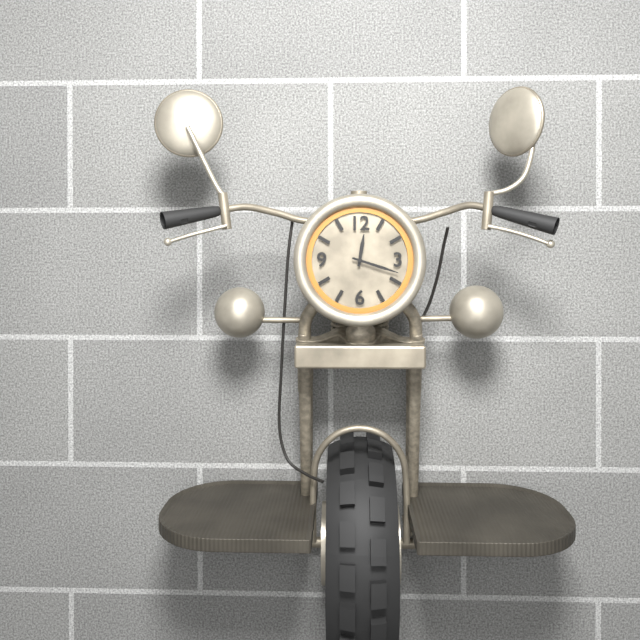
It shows 12h18
